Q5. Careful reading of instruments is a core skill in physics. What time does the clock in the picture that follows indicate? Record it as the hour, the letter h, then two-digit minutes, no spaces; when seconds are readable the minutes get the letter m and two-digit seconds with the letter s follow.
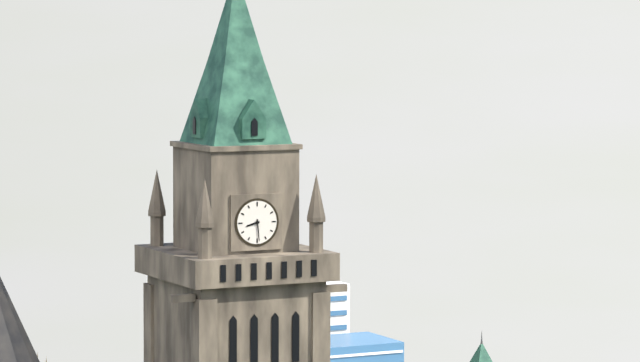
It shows 8h29
